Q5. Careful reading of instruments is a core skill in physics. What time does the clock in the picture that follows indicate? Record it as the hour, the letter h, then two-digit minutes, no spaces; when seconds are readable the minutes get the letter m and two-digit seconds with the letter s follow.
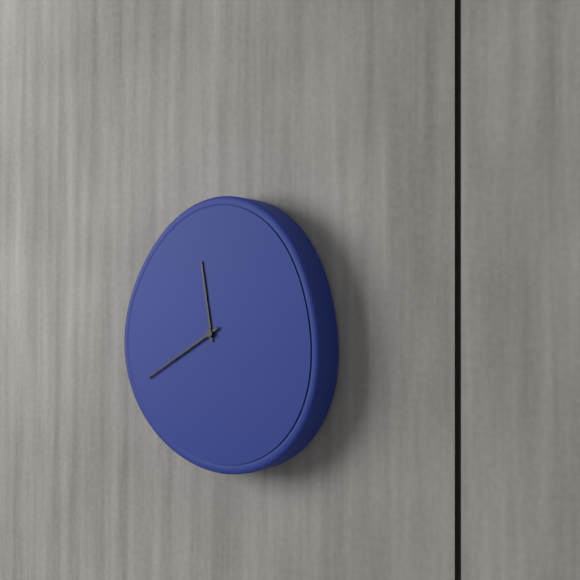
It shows 11h40
